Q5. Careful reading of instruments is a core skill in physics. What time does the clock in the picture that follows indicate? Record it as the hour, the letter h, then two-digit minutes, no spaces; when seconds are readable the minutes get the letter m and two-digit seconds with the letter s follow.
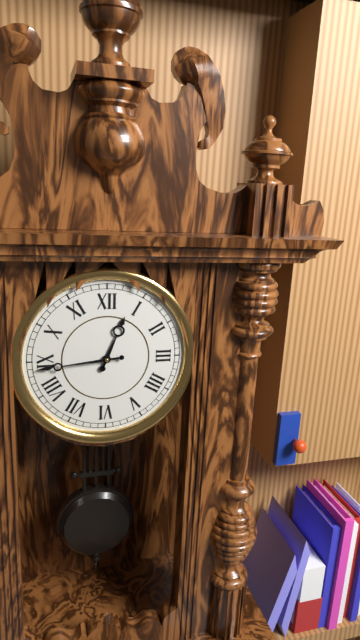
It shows 12h44
